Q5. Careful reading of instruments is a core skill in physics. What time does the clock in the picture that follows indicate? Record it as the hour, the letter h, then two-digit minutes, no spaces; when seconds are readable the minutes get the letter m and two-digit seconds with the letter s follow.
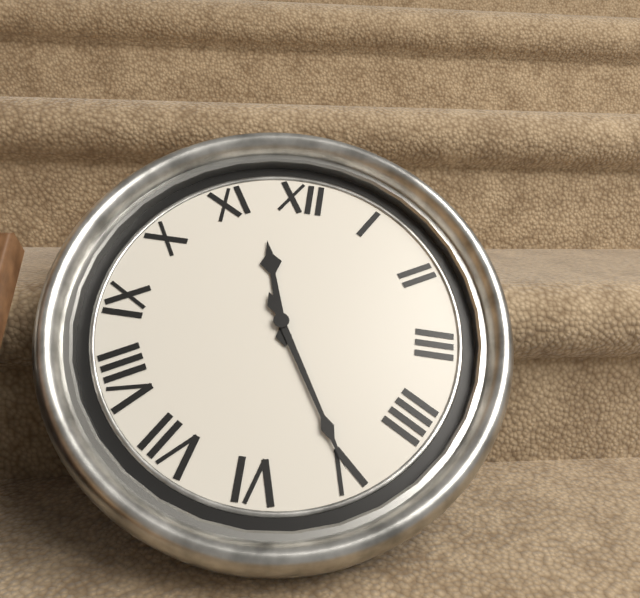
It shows 11h25
